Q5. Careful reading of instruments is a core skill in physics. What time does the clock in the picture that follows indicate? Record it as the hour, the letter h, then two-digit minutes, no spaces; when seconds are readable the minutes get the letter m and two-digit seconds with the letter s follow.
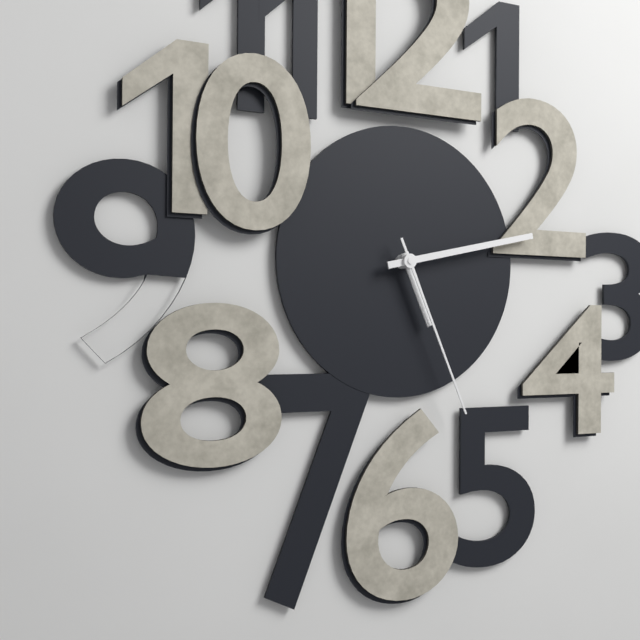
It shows 5h13m26s
